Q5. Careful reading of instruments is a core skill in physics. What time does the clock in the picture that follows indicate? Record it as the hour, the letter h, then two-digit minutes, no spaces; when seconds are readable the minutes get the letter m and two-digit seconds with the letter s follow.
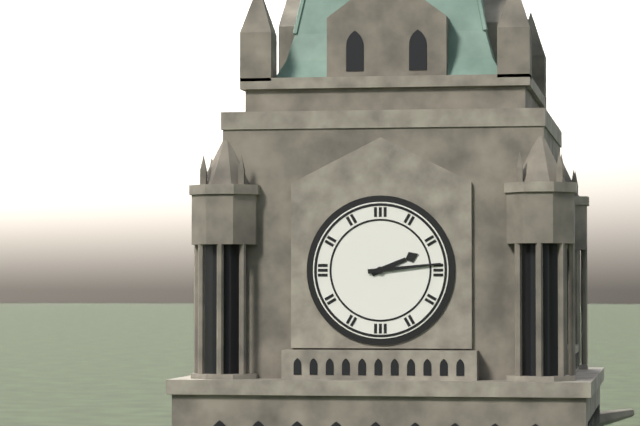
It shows 2h14
